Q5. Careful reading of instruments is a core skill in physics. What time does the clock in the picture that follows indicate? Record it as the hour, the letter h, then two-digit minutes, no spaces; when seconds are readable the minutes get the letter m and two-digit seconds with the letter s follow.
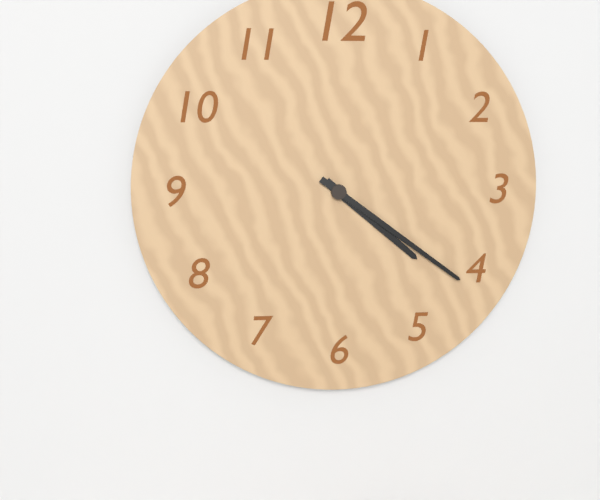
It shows 4h21
